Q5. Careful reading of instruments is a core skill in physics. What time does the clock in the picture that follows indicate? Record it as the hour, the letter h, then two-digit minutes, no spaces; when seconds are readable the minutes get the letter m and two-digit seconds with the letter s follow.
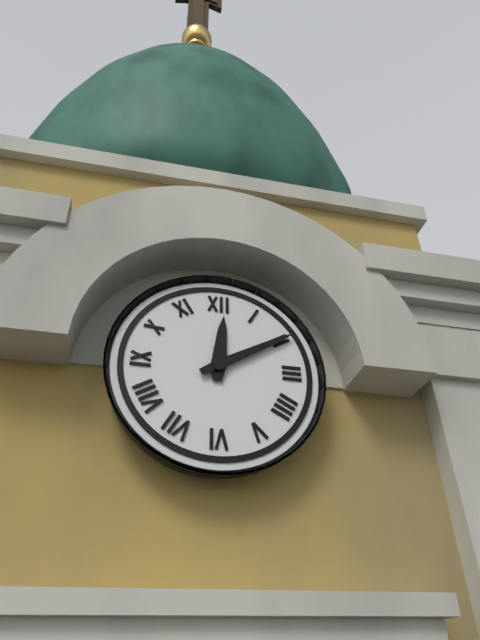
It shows 12h10
